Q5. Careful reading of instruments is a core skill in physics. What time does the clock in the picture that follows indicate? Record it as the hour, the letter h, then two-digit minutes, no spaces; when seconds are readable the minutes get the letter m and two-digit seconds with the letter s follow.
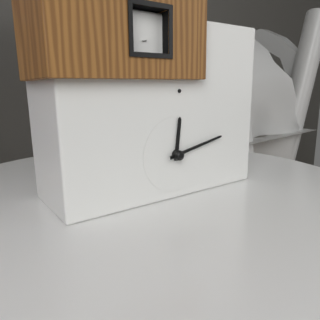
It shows 12h13
